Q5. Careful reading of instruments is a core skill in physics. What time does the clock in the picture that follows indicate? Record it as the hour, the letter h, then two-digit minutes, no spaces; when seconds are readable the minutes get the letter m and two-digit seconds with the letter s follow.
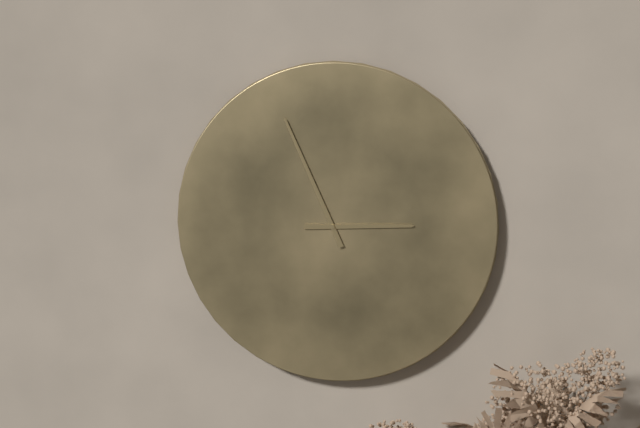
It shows 2h56
